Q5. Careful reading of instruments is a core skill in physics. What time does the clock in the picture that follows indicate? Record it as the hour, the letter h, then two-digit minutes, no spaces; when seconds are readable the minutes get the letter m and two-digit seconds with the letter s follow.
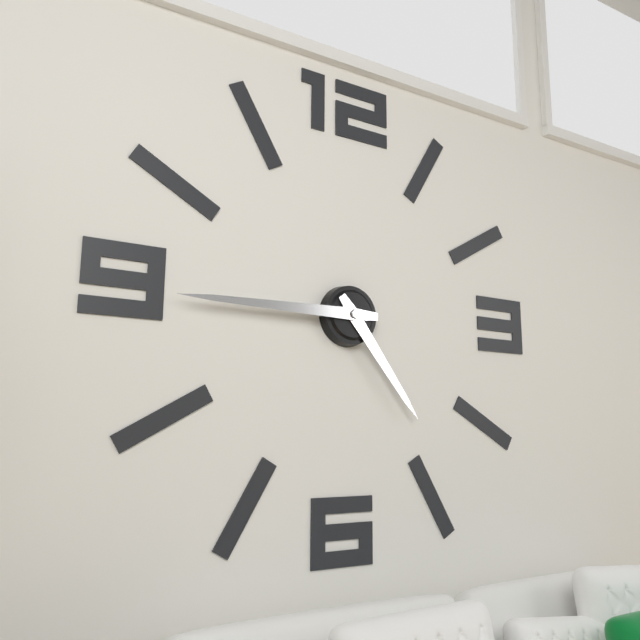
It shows 4h45
